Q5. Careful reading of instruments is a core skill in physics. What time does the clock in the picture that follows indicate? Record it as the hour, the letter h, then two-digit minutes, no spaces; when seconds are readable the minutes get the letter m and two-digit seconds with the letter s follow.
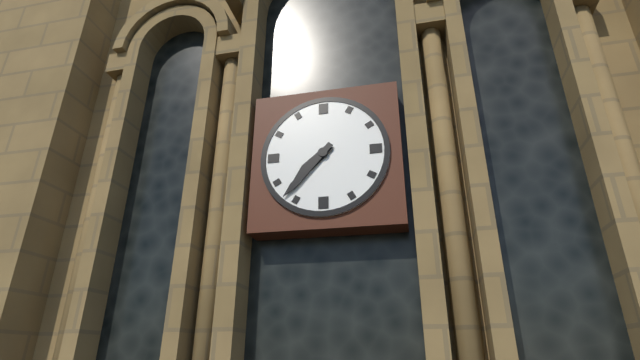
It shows 7h37
